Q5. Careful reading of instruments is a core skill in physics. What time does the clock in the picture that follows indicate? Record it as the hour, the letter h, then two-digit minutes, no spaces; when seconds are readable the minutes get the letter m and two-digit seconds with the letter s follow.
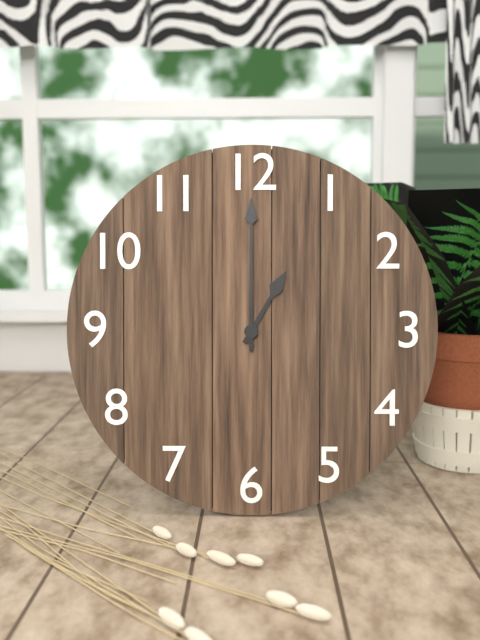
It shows 1h00
